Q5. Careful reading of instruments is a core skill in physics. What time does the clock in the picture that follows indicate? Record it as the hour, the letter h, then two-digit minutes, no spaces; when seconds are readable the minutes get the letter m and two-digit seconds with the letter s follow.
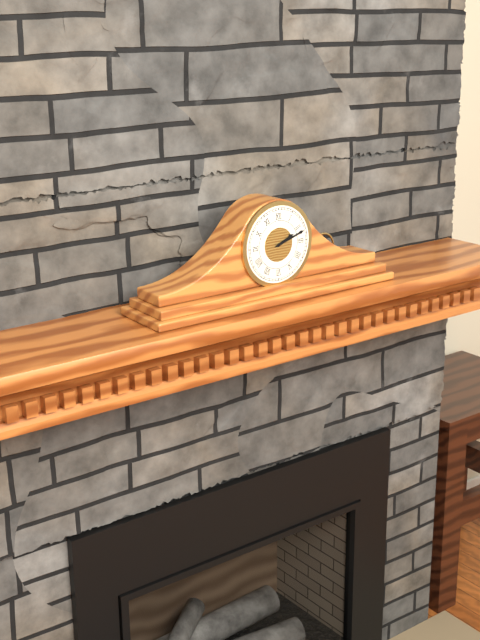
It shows 2h12
